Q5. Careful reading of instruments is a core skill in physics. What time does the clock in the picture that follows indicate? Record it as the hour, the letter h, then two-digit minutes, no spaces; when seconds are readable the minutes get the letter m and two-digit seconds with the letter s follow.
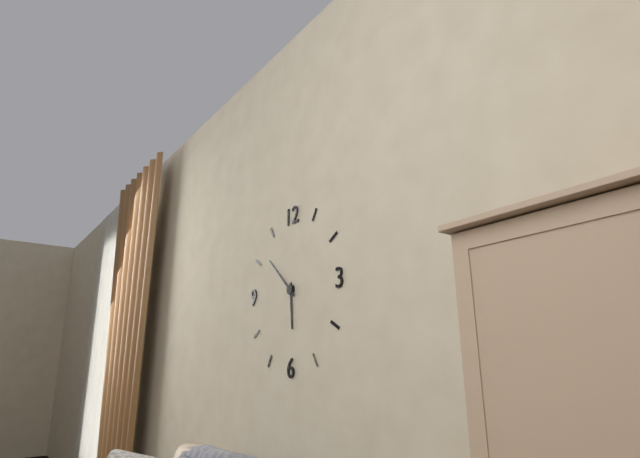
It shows 5h52
